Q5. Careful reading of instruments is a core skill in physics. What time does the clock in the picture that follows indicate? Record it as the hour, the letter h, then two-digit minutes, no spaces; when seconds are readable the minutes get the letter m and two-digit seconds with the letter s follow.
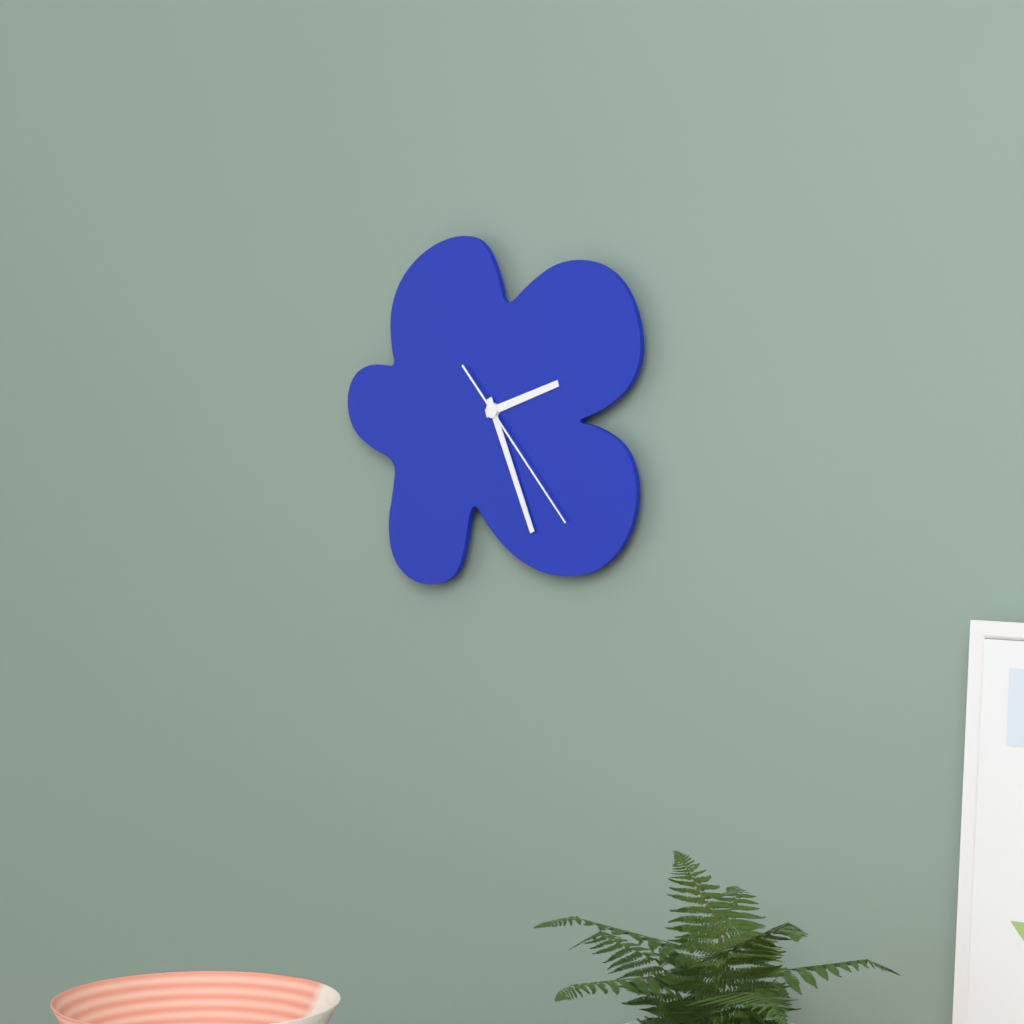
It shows 2h26m23s
